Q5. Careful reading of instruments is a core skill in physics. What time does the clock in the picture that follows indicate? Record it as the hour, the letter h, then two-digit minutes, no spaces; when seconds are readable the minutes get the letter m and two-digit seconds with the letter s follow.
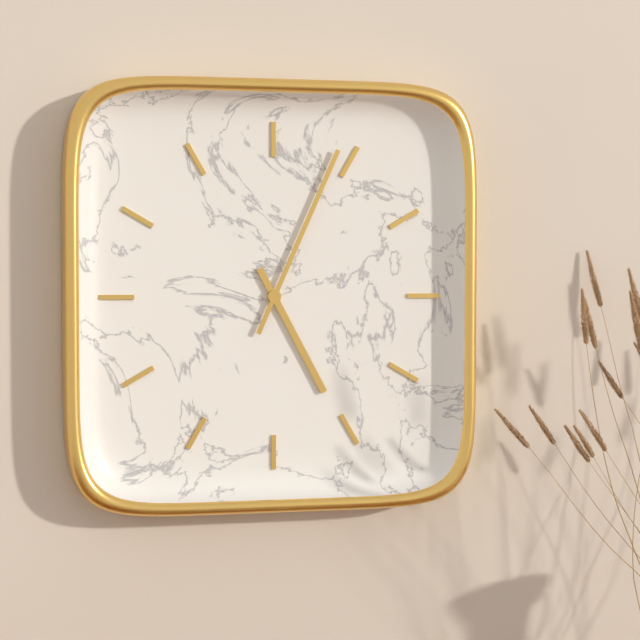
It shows 5h04
